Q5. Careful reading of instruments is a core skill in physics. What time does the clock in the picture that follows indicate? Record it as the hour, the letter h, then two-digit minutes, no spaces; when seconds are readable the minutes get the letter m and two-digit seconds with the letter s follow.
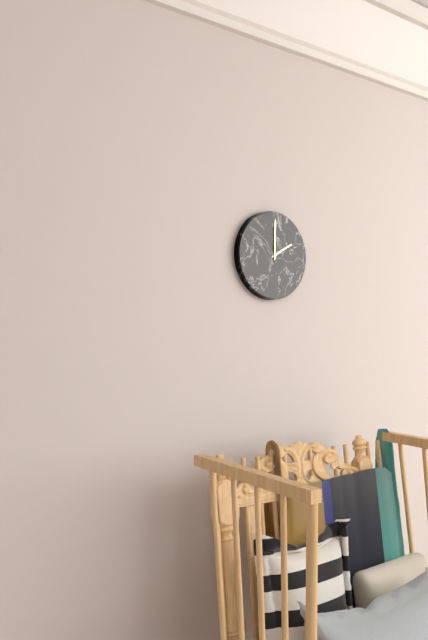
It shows 2h00
